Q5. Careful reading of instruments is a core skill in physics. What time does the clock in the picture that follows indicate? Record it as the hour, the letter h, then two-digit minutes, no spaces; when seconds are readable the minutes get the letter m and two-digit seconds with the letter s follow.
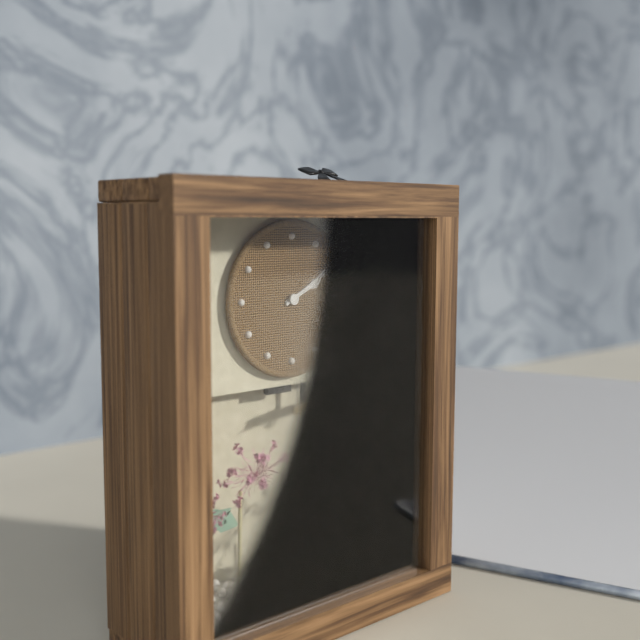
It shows 2h10
